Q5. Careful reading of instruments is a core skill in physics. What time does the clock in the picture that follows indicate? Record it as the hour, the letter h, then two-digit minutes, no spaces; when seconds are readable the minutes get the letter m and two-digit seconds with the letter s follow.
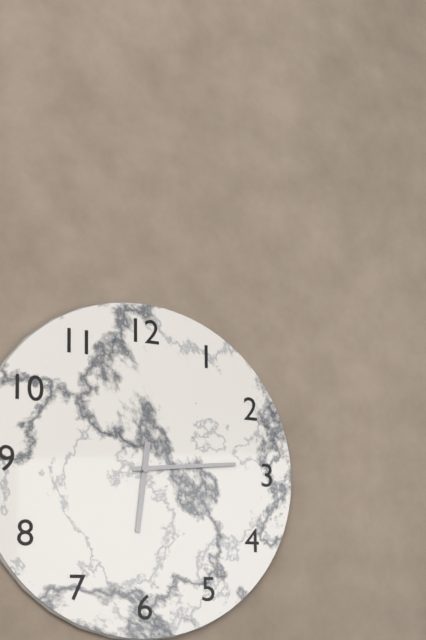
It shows 6h14
